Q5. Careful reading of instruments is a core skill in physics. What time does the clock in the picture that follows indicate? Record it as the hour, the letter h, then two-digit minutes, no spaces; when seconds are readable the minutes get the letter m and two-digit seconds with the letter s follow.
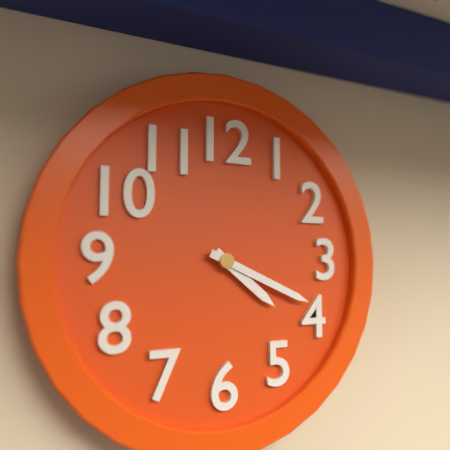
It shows 4h19
